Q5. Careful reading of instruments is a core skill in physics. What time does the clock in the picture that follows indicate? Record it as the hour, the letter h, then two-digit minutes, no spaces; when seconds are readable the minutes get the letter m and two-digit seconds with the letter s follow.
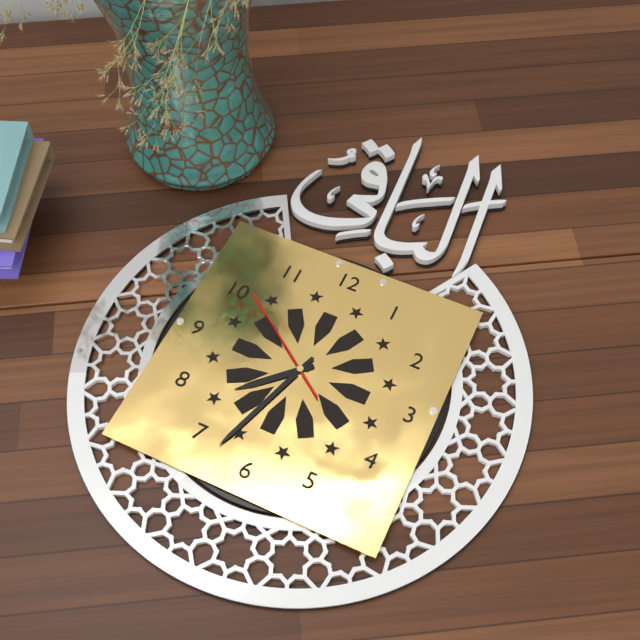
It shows 7h33m51s
